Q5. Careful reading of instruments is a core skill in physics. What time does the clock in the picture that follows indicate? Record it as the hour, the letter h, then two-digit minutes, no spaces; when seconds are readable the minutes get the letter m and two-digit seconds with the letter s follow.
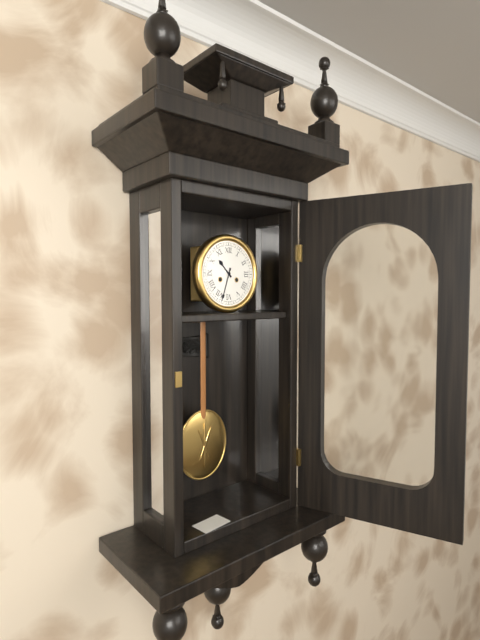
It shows 10h33
